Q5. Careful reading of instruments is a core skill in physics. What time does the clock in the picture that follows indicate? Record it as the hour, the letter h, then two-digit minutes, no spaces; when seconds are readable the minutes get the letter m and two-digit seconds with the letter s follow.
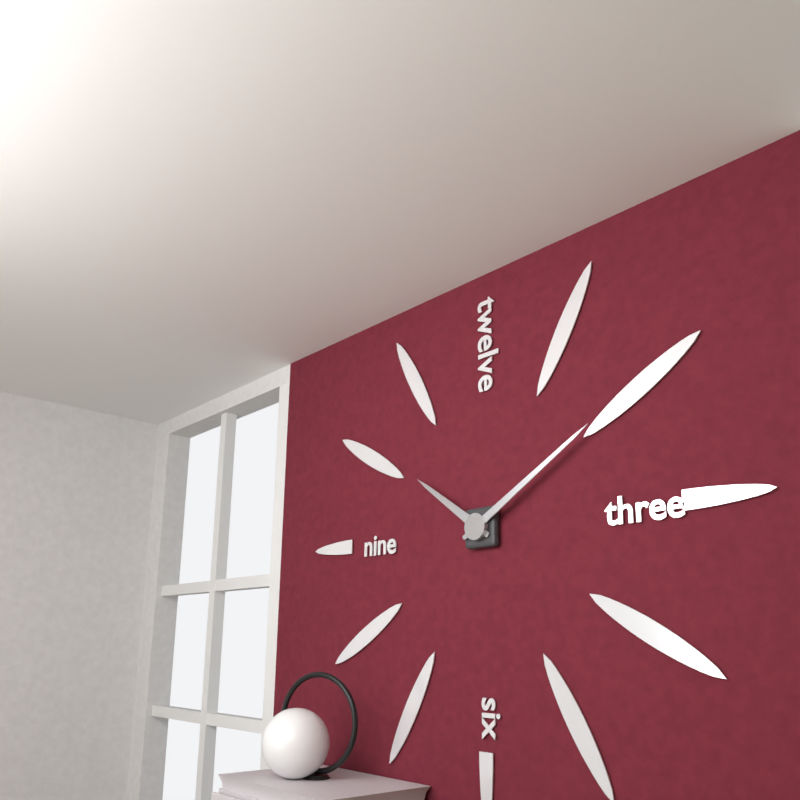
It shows 10h10
